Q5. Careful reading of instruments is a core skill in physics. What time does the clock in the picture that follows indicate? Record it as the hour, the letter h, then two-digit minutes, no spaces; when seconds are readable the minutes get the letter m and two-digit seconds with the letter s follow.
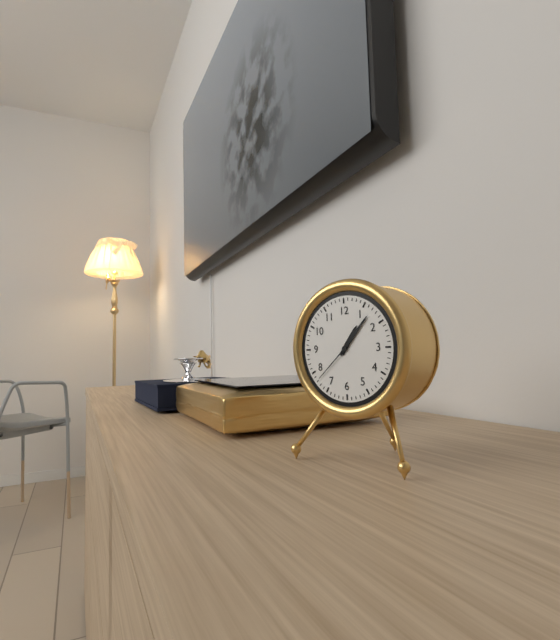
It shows 1h07
